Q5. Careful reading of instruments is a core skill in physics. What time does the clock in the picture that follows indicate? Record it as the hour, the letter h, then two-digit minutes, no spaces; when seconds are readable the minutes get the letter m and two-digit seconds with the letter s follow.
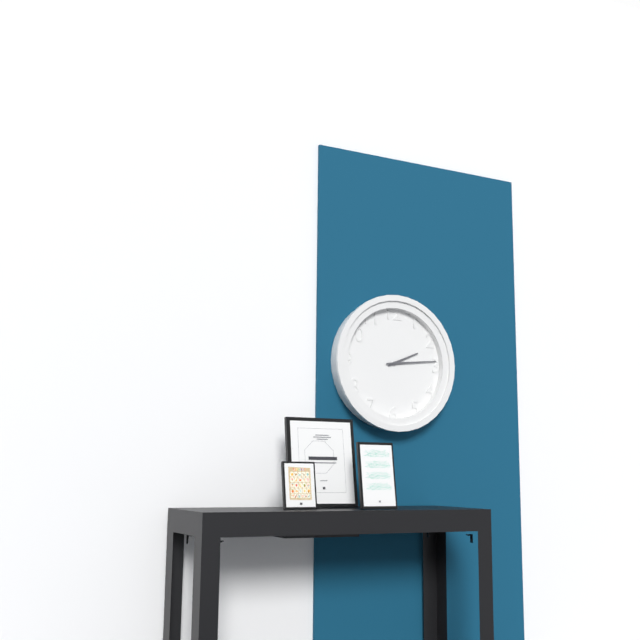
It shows 2h14
